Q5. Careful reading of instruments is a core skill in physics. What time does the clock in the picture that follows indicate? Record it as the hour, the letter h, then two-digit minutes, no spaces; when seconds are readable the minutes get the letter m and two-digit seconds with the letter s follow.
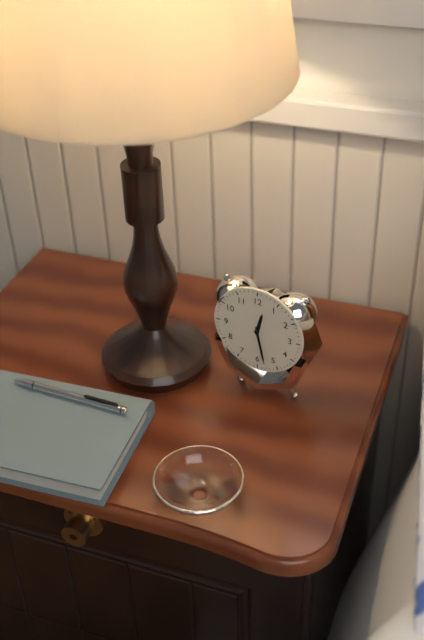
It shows 12h28
